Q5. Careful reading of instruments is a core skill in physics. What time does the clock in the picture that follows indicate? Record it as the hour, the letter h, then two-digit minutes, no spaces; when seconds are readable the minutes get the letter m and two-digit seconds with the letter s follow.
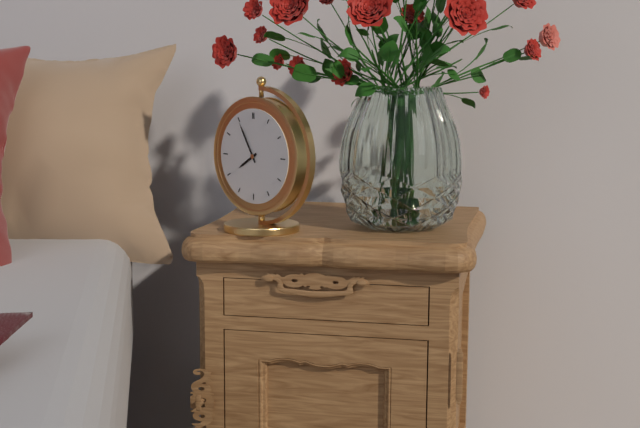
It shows 7h55
